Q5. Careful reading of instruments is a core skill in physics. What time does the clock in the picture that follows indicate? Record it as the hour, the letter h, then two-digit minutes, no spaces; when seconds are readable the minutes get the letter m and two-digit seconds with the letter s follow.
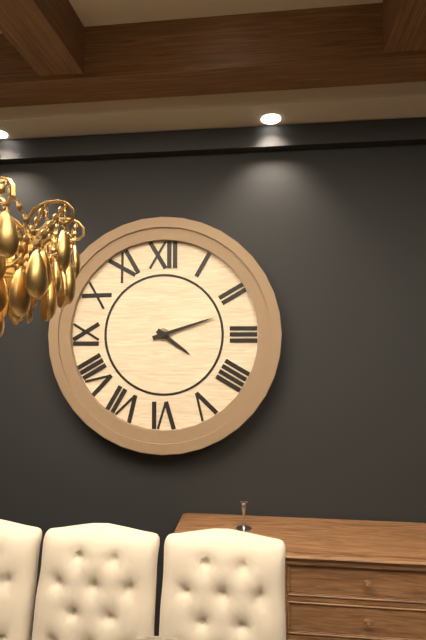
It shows 4h12
